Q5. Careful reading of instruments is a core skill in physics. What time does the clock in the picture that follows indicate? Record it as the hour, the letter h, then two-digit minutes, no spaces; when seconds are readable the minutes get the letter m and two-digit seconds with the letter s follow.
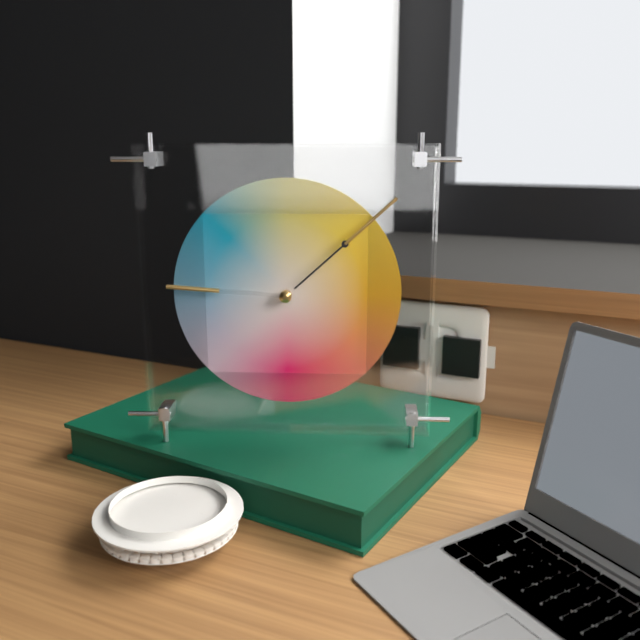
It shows 9h08
